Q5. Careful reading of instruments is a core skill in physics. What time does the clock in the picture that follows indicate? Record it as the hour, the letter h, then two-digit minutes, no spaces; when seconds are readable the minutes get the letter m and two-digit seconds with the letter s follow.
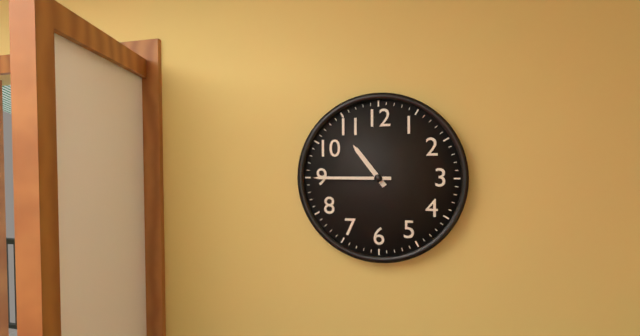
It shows 10h45
